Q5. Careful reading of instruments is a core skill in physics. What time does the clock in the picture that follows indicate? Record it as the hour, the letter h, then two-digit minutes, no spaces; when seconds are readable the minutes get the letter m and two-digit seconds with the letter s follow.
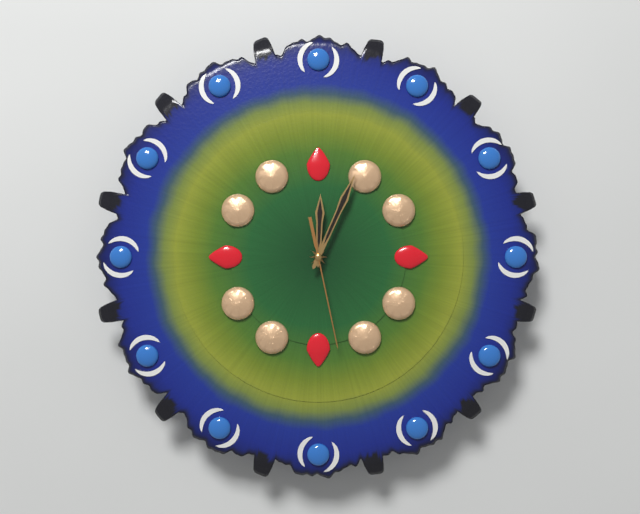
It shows 12h04m28s
